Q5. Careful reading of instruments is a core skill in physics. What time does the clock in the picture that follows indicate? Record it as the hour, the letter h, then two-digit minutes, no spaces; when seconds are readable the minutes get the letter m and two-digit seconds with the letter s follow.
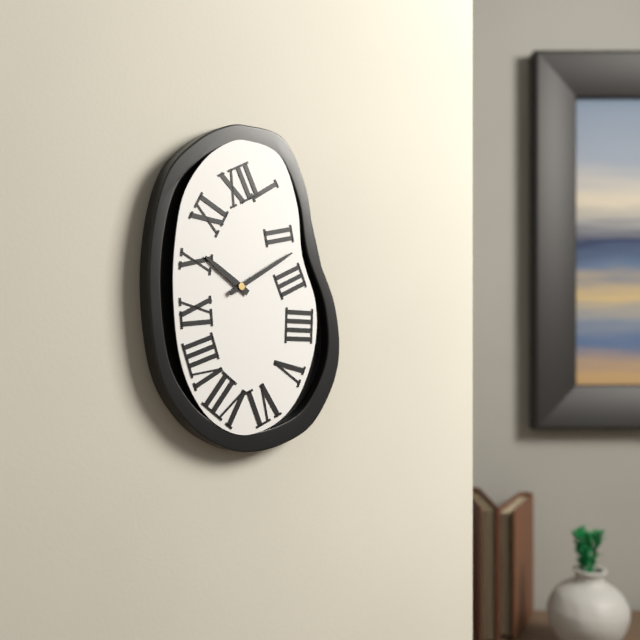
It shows 10h10
